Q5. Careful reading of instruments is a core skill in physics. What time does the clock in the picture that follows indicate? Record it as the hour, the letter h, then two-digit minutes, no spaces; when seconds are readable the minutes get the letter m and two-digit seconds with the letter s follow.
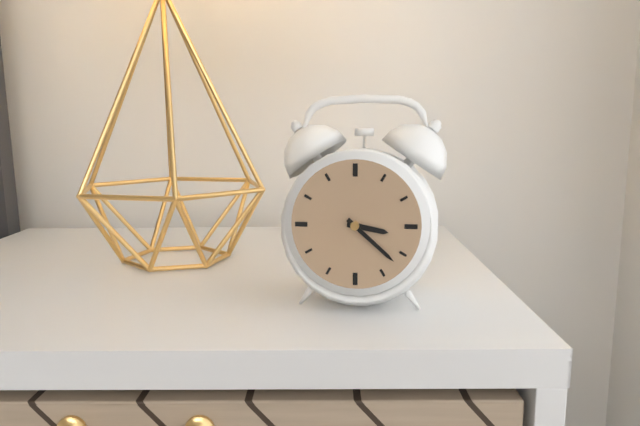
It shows 3h22
